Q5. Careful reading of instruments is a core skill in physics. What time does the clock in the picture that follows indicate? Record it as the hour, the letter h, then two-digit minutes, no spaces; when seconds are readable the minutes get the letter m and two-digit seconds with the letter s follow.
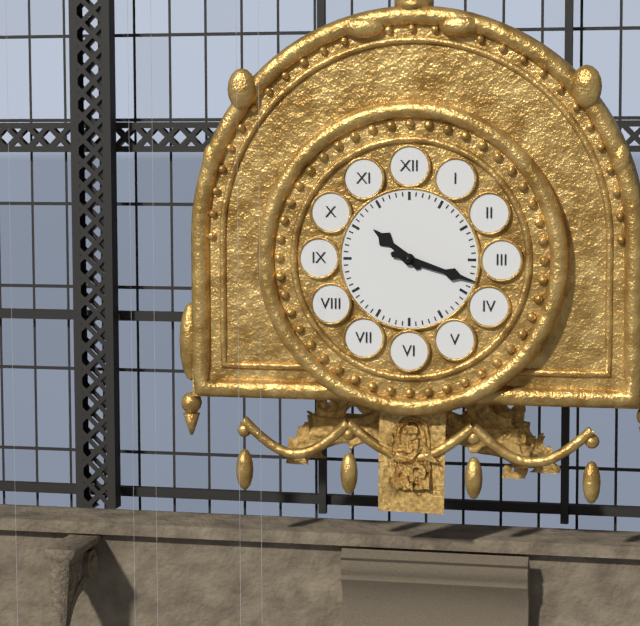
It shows 10h18
